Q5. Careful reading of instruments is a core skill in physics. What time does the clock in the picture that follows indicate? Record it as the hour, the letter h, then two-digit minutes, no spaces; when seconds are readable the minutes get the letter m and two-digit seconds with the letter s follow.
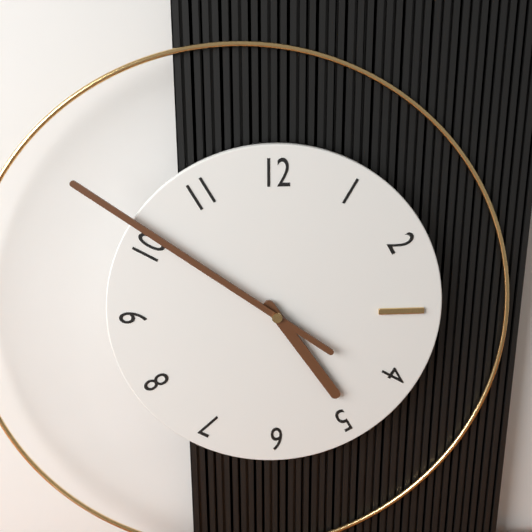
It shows 4h51
